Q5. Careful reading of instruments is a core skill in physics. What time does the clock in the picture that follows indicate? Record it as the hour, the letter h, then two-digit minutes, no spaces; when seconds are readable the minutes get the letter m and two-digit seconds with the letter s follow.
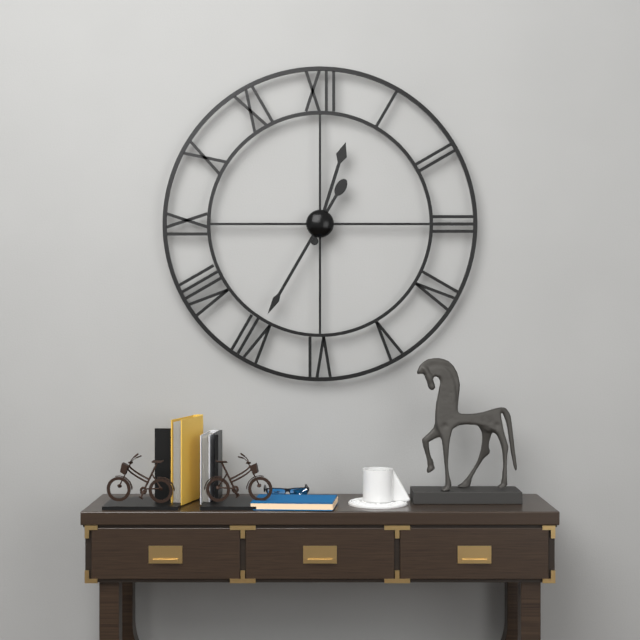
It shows 12h35
